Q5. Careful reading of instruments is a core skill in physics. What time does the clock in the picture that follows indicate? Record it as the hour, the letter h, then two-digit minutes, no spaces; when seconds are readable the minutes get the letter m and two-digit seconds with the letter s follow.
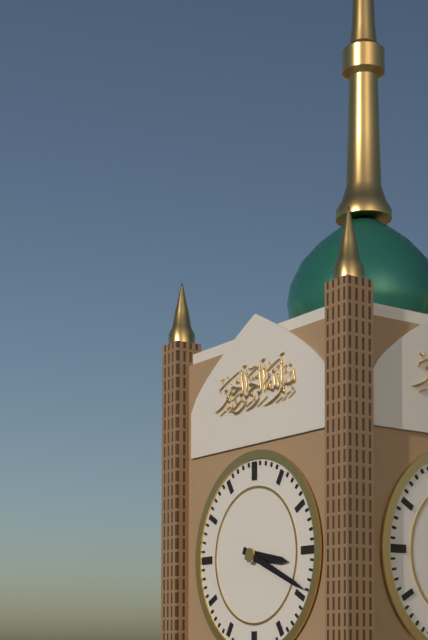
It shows 3h19
